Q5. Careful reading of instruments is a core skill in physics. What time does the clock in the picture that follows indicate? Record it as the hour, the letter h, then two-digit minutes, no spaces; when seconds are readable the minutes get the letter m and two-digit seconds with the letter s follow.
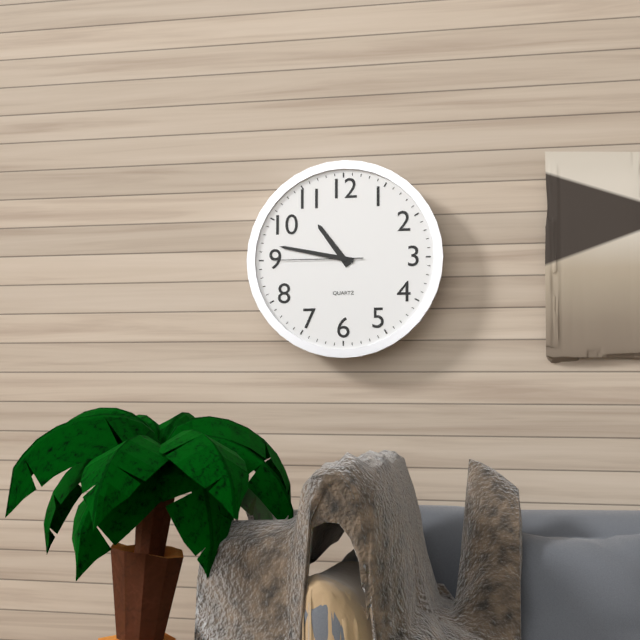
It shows 10h47m45s
